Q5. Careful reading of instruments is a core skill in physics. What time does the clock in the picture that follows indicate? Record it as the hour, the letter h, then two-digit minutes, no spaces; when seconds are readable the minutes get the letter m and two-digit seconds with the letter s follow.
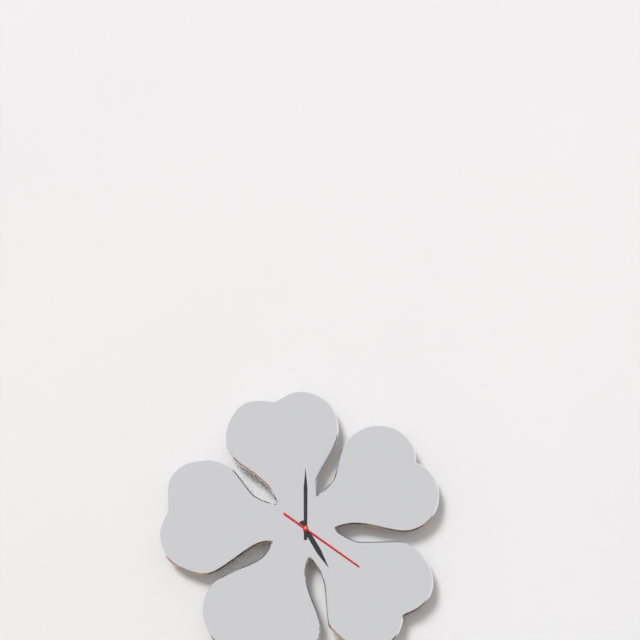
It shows 5h00m21s
